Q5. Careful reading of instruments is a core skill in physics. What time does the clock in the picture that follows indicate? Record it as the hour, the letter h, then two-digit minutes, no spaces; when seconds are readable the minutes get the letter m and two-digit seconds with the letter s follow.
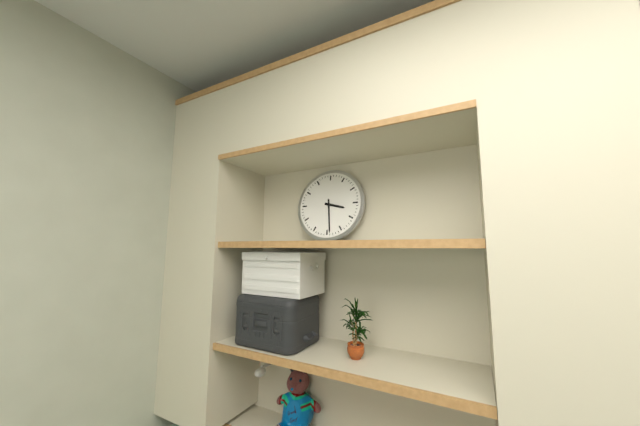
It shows 3h29
